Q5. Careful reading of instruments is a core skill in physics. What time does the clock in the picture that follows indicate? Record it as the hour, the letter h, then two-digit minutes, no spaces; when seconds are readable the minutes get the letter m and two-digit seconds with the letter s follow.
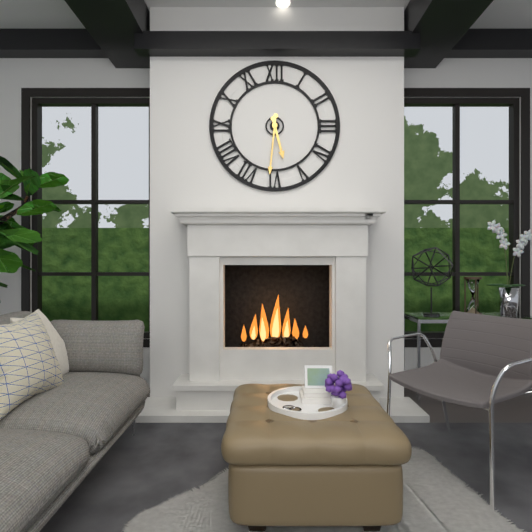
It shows 5h31
